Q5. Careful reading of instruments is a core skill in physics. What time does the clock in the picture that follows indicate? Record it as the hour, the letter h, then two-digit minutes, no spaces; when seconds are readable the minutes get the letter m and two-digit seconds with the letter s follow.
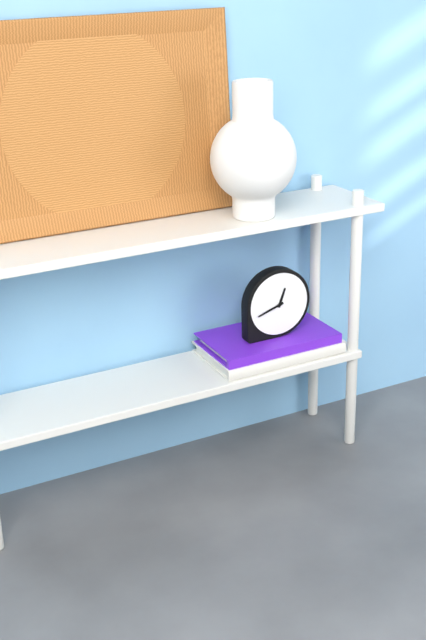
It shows 12h42
